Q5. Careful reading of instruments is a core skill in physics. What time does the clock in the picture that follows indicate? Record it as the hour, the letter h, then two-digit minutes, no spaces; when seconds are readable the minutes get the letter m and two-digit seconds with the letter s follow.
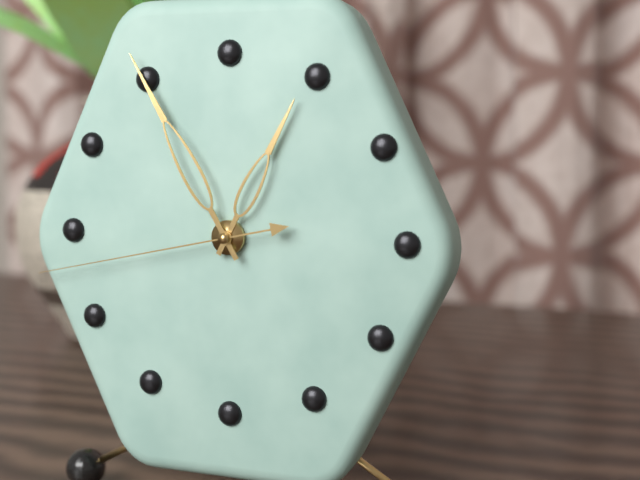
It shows 12h55m43s
